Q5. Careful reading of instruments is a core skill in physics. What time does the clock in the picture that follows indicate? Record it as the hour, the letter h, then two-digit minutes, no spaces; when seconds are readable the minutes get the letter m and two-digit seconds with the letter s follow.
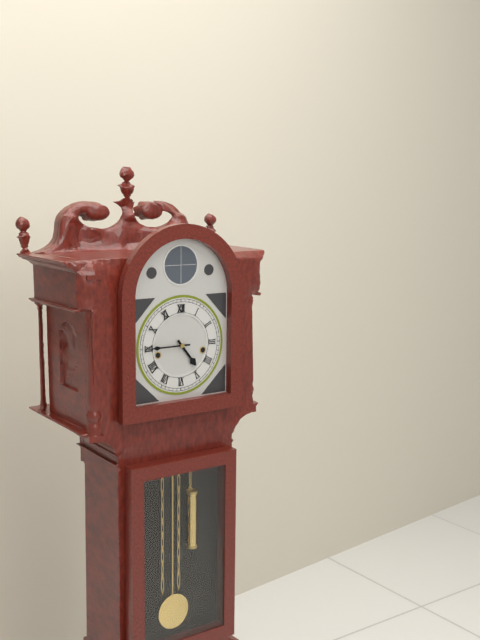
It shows 4h45
